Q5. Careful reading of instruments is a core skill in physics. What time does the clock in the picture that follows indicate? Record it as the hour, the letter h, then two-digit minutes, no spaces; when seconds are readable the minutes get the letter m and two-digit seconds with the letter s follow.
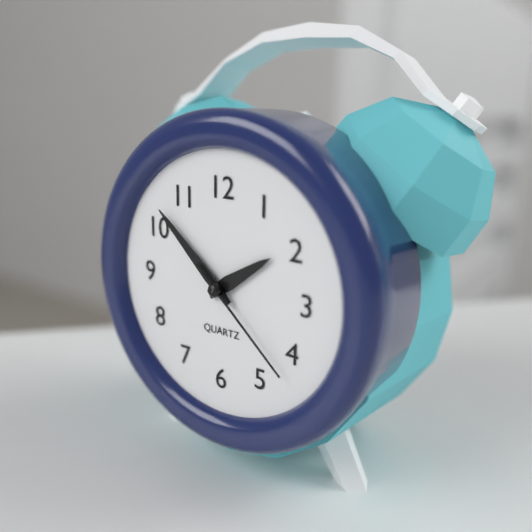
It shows 1h52m22s
